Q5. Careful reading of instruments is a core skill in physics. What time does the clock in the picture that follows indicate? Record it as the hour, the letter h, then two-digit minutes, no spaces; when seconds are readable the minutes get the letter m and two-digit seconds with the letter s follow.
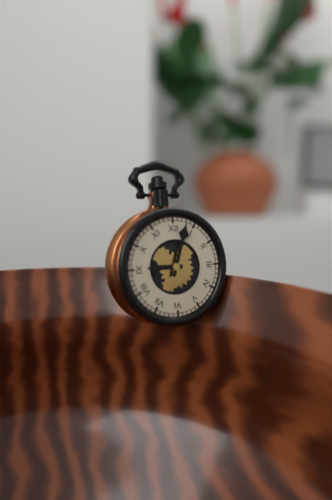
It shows 9h03
